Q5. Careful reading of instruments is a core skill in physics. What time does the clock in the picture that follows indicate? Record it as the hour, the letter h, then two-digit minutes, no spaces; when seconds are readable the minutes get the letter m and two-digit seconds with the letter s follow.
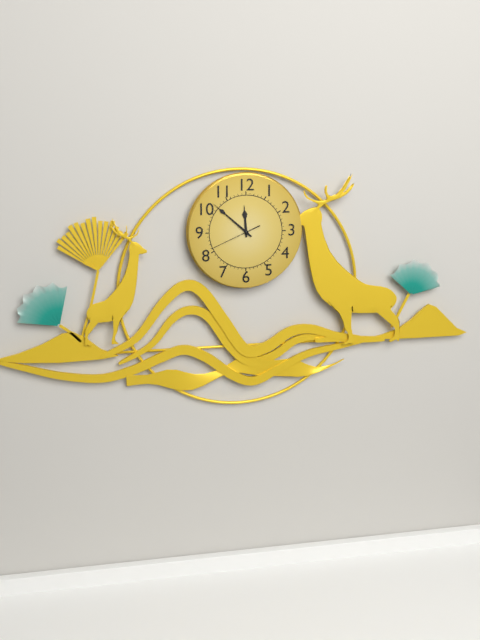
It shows 11h52
